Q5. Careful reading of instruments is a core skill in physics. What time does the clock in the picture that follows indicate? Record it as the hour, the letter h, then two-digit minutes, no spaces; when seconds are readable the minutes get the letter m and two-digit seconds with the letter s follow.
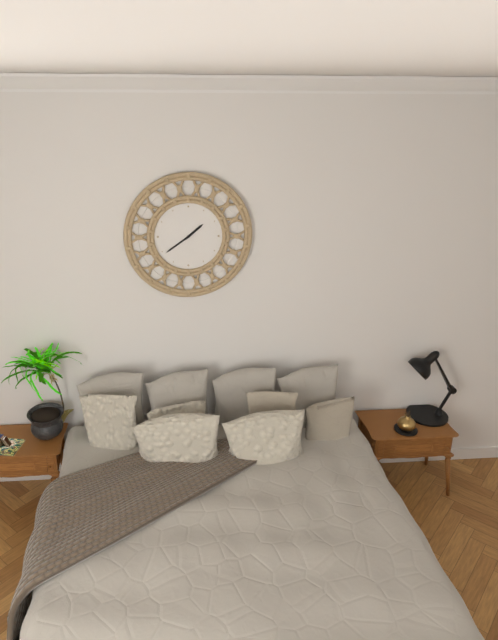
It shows 1h39
